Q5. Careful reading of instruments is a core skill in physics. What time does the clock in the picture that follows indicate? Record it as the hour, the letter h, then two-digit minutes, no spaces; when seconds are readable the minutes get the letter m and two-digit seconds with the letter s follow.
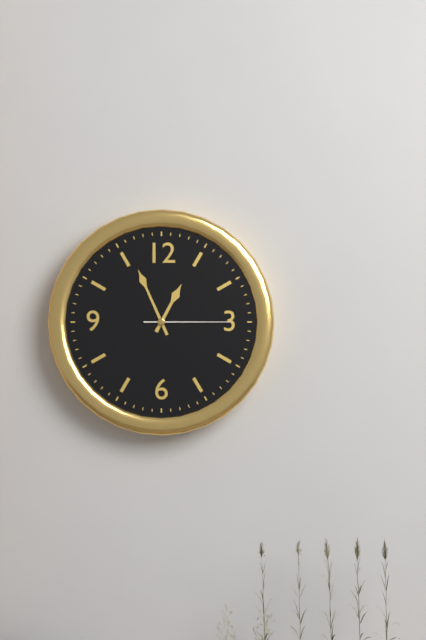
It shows 12h56m15s
